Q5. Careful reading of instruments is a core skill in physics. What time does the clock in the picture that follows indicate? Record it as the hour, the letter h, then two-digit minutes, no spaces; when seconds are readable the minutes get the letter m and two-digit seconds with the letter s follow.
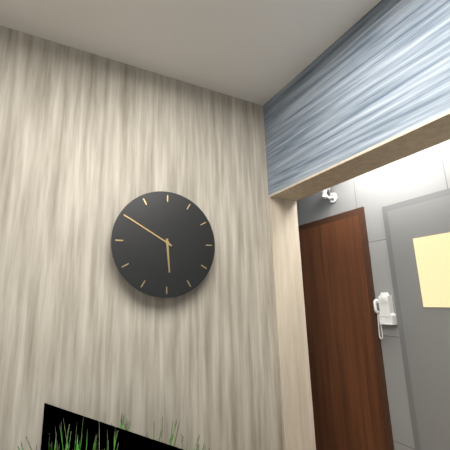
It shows 5h50
